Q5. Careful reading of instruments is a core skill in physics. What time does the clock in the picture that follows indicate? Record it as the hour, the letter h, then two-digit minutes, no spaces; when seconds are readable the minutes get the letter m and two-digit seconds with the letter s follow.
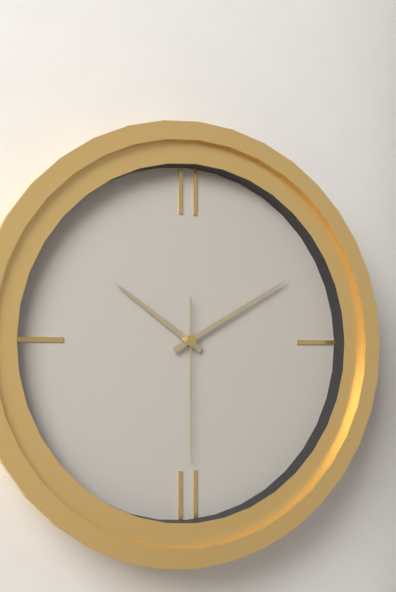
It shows 10h10m30s
